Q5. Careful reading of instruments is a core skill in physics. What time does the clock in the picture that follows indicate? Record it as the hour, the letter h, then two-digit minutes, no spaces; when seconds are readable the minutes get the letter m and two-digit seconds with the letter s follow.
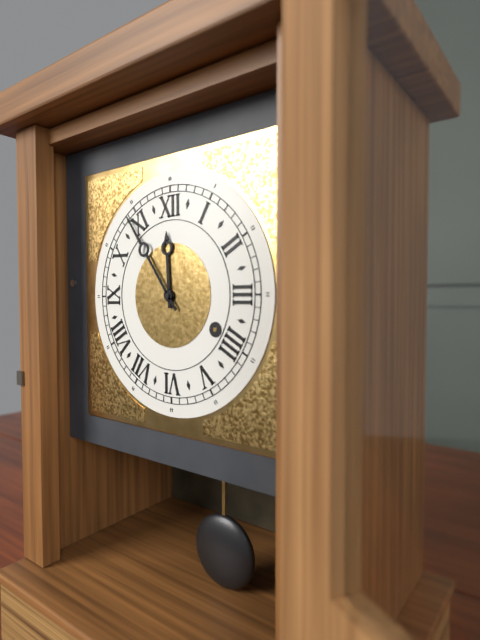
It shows 11h54
